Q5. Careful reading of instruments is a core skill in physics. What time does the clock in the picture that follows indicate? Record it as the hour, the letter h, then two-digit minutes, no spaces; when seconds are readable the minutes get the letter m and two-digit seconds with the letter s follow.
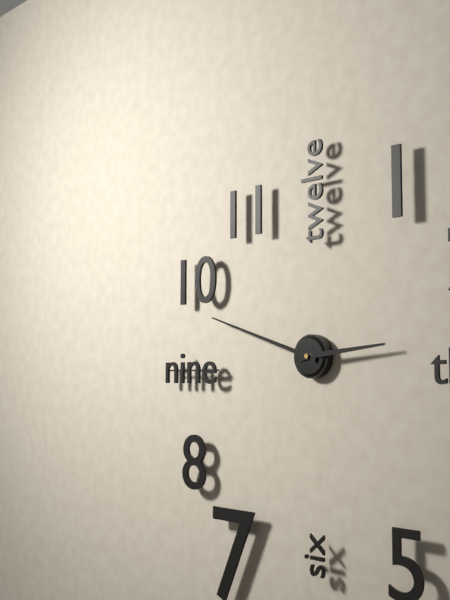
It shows 2h48
